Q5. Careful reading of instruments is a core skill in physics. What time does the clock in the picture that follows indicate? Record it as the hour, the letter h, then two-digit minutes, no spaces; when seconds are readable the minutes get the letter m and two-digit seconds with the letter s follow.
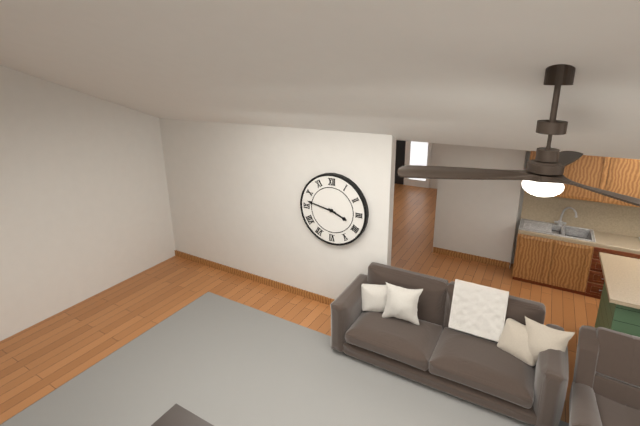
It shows 3h47
